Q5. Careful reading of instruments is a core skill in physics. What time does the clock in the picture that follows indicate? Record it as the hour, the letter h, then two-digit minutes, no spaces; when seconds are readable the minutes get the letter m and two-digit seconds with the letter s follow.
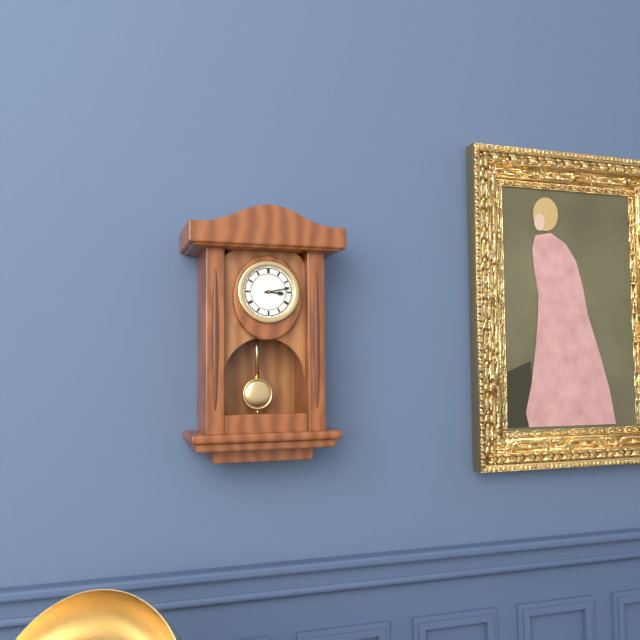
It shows 3h13
